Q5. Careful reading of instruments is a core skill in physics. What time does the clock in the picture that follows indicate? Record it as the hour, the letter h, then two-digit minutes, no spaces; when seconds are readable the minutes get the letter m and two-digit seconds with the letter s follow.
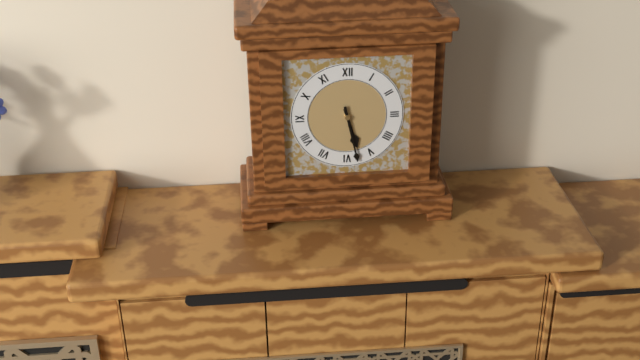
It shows 5h28
